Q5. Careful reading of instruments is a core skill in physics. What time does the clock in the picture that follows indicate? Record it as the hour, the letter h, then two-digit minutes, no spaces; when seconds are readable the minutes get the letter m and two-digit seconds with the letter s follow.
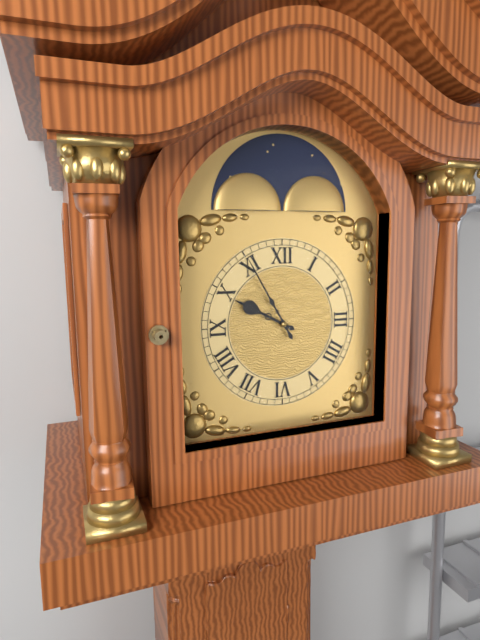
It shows 9h55
